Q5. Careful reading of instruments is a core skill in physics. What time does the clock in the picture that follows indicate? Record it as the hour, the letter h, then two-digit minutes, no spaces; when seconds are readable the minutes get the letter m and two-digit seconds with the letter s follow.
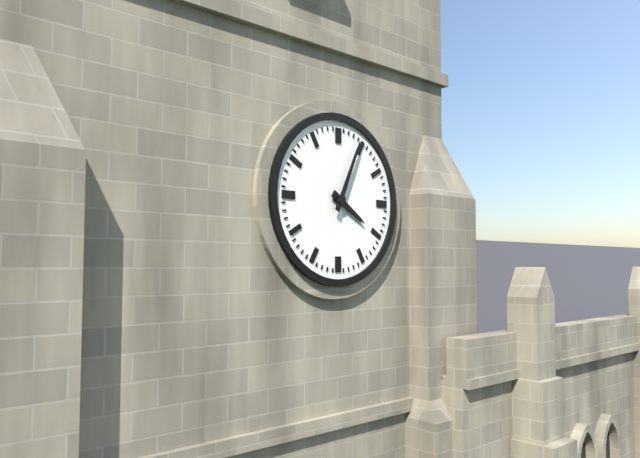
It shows 4h04
